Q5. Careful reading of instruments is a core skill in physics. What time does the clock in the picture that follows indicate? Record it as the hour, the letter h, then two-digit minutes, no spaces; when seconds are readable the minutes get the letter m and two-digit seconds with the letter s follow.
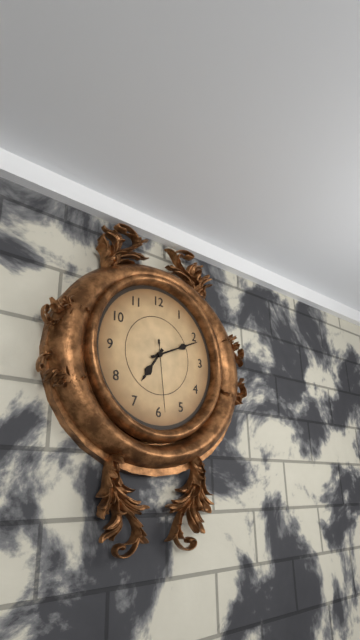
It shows 7h11m29s
